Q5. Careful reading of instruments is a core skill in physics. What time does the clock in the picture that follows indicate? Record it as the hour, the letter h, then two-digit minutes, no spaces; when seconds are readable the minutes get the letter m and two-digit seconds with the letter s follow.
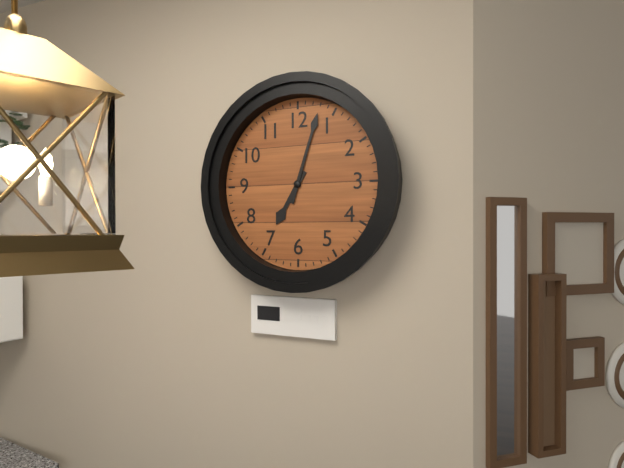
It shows 7h03
